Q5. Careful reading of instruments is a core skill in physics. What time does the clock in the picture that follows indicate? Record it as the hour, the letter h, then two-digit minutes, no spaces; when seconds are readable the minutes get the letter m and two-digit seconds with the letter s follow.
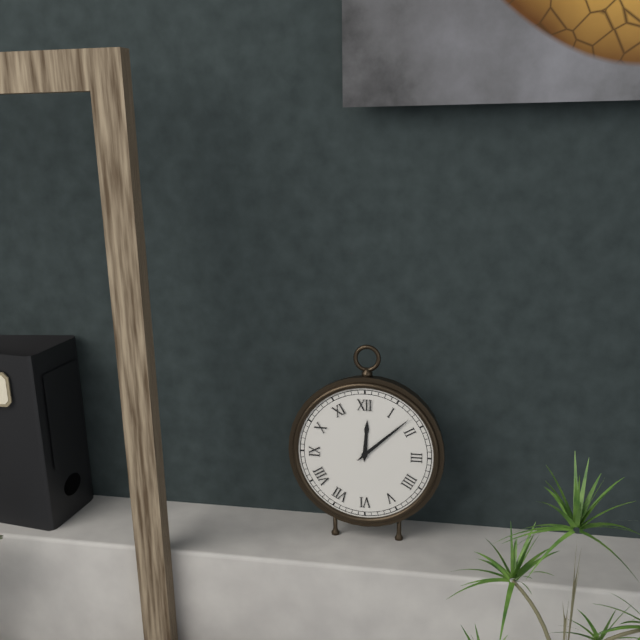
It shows 12h08
